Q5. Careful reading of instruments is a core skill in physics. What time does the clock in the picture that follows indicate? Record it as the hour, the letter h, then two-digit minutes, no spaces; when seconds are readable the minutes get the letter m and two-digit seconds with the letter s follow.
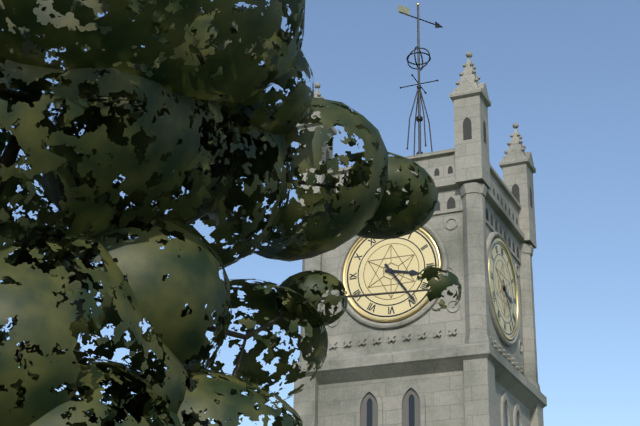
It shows 3h24
